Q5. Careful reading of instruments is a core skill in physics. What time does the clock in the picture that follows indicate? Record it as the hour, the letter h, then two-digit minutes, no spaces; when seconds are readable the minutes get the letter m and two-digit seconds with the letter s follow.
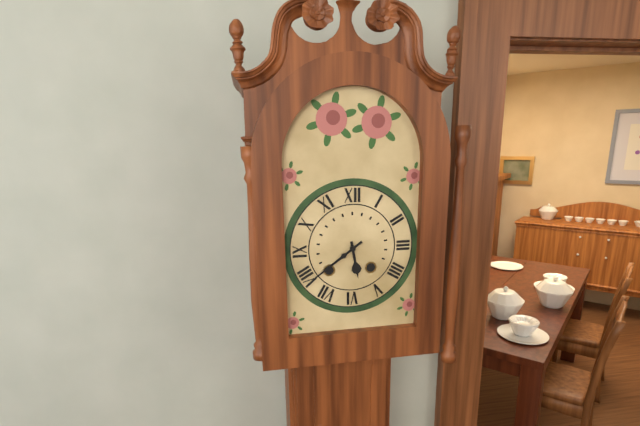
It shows 5h39
